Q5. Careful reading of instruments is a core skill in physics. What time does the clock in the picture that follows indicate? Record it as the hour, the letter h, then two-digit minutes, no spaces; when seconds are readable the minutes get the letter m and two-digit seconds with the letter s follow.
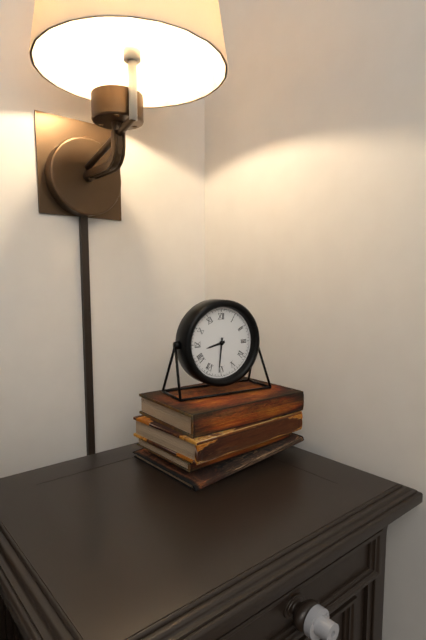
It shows 8h31
